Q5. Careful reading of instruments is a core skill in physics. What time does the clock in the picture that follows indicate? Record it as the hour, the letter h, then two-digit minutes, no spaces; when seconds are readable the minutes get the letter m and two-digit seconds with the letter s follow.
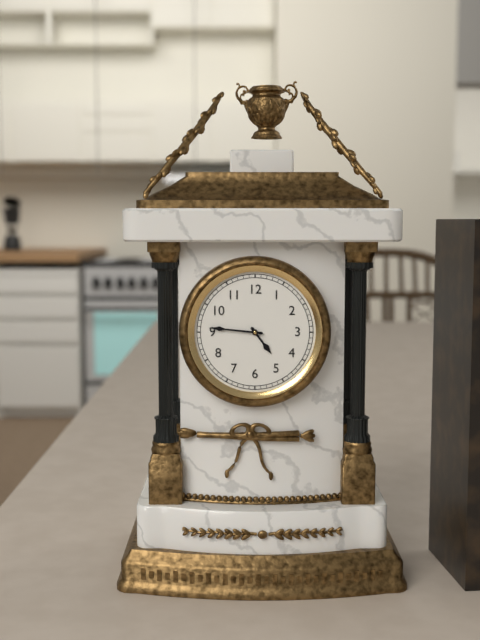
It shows 4h46
